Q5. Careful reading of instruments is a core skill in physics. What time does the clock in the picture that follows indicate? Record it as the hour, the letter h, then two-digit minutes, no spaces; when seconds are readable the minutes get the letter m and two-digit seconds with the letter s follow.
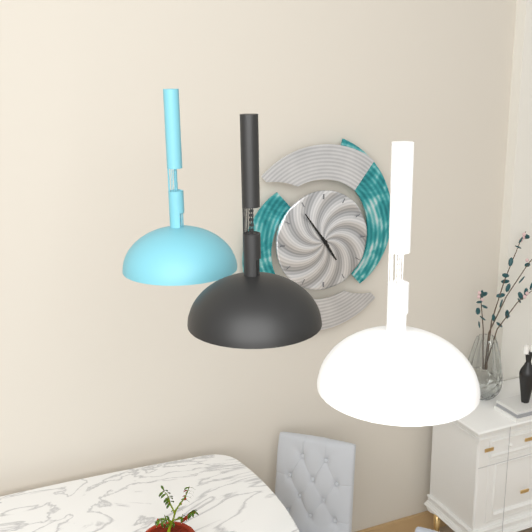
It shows 4h54
